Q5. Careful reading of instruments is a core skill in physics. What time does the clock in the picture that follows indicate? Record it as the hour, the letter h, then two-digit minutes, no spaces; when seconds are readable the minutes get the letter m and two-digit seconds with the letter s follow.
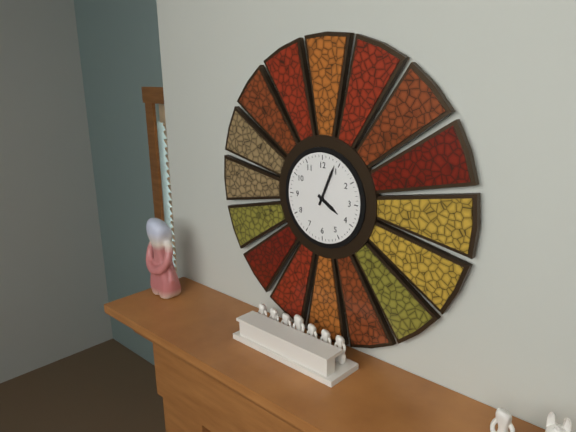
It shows 4h04
